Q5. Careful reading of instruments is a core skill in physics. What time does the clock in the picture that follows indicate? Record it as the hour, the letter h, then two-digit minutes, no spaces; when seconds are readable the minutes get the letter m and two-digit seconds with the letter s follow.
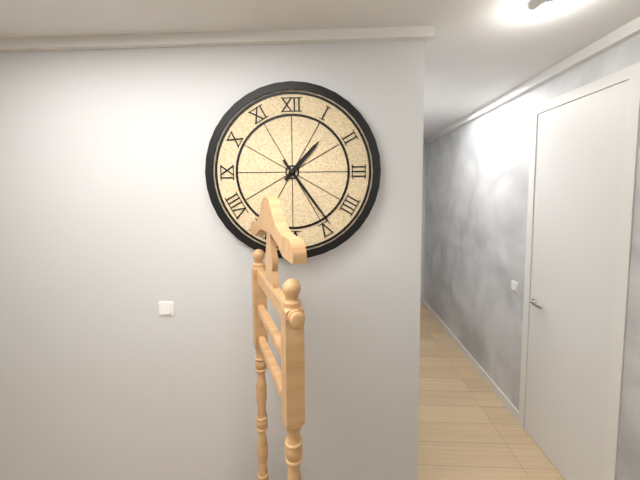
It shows 1h24
